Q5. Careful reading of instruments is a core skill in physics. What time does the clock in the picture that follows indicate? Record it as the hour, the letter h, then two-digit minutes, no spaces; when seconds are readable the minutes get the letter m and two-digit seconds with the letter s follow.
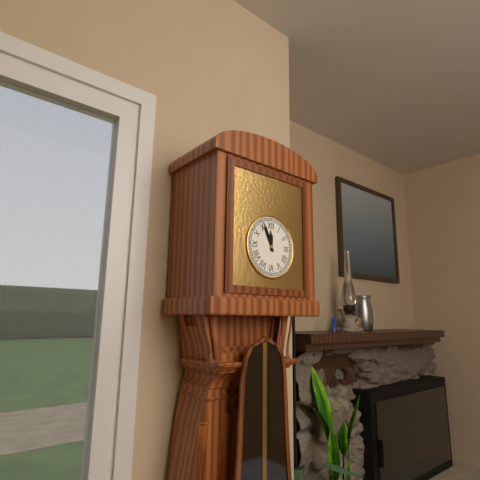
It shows 11h56
